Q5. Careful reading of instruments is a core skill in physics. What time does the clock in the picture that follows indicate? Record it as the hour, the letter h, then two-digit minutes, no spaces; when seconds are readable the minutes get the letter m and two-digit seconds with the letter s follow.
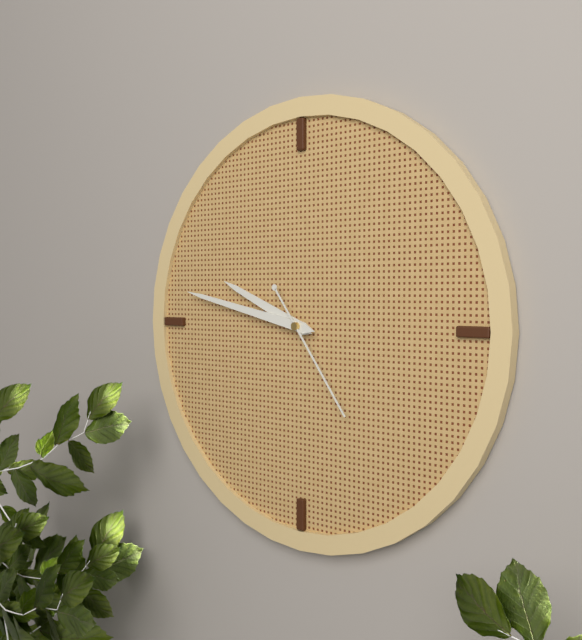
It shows 9h47m24s
